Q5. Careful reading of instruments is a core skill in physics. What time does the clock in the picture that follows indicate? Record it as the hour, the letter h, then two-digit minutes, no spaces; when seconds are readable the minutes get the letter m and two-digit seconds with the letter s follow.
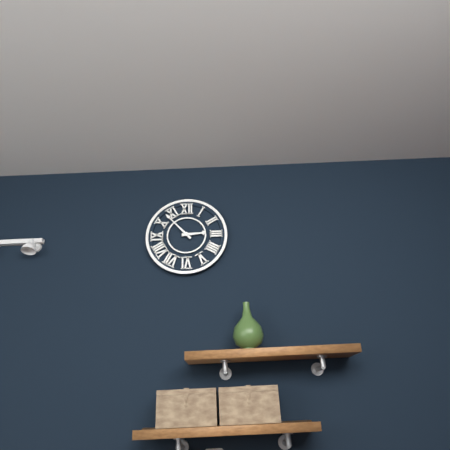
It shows 2h53
